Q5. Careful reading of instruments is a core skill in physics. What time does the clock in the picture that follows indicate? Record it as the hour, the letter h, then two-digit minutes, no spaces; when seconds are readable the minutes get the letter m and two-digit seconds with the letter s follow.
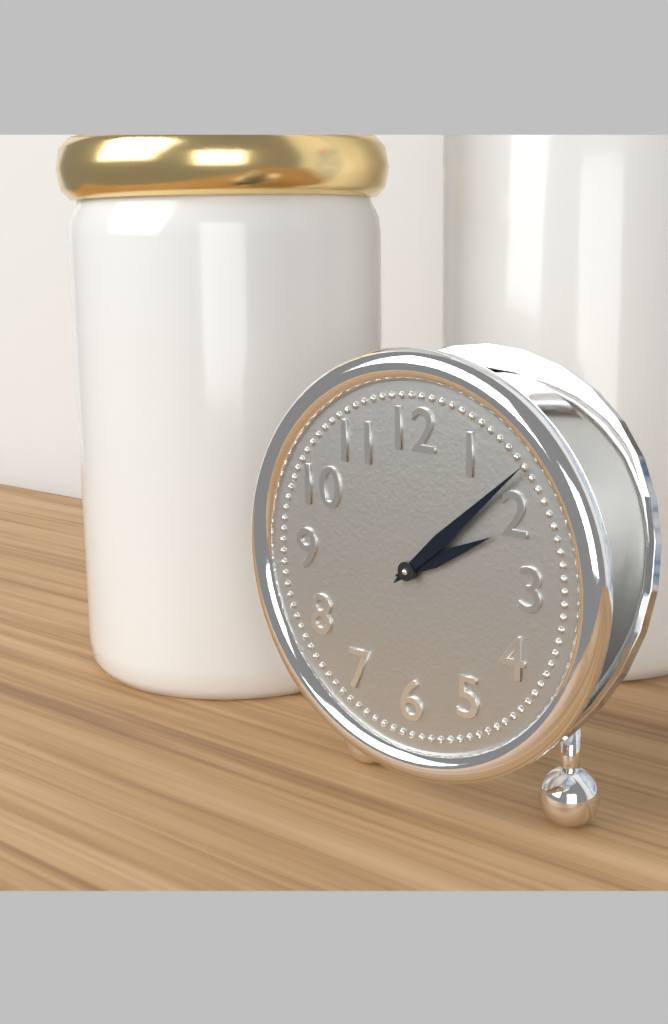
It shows 2h08
